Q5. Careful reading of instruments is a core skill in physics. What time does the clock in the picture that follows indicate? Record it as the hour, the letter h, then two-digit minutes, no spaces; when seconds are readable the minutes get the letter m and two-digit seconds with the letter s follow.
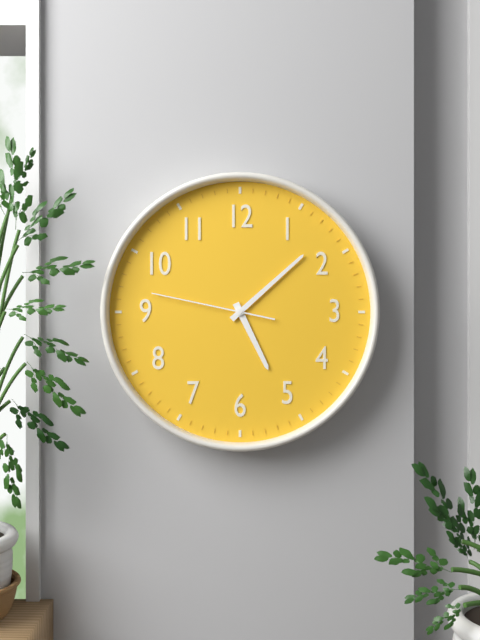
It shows 5h08m47s
